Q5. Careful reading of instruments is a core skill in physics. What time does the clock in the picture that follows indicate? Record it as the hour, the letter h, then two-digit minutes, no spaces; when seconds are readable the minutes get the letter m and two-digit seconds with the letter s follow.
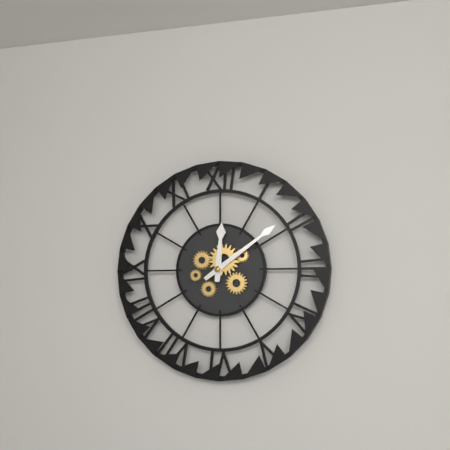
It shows 12h09
